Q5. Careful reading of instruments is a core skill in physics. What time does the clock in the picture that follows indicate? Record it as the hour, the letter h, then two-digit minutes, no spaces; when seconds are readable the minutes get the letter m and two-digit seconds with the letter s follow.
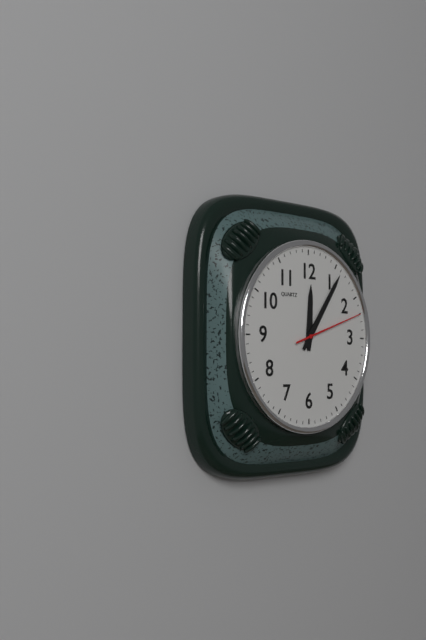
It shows 12h06m12s
